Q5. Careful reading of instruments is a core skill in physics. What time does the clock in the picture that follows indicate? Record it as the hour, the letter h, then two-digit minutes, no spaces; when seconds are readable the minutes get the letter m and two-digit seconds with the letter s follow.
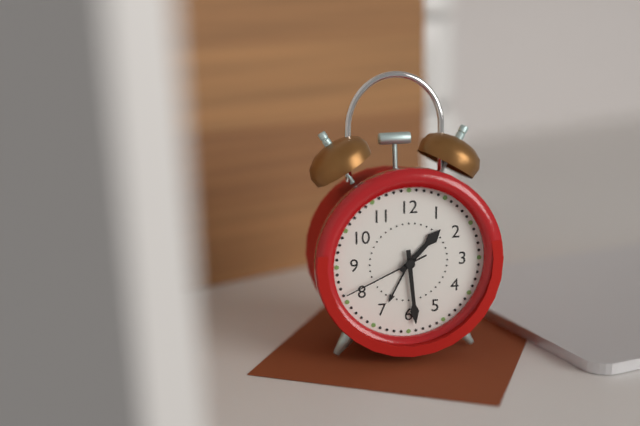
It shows 1h29m41s
